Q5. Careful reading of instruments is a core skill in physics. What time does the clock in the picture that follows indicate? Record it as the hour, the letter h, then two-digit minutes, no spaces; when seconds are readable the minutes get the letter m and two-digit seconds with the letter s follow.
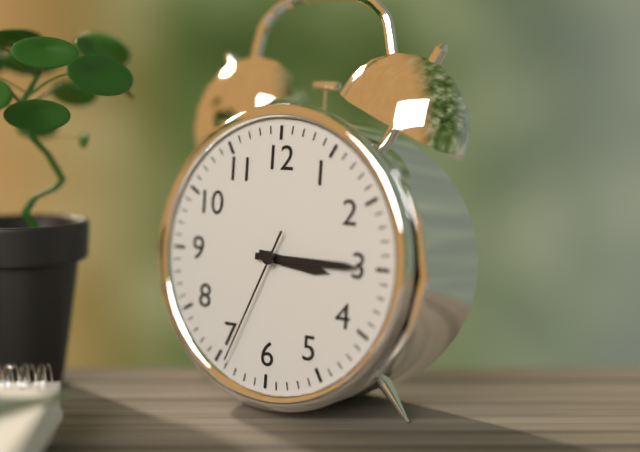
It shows 3h15m34s
